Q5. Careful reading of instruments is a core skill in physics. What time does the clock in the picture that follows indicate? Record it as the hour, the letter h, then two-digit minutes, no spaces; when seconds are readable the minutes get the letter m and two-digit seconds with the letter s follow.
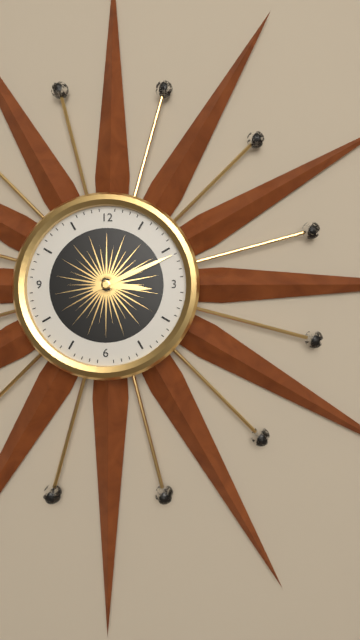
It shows 3h11
